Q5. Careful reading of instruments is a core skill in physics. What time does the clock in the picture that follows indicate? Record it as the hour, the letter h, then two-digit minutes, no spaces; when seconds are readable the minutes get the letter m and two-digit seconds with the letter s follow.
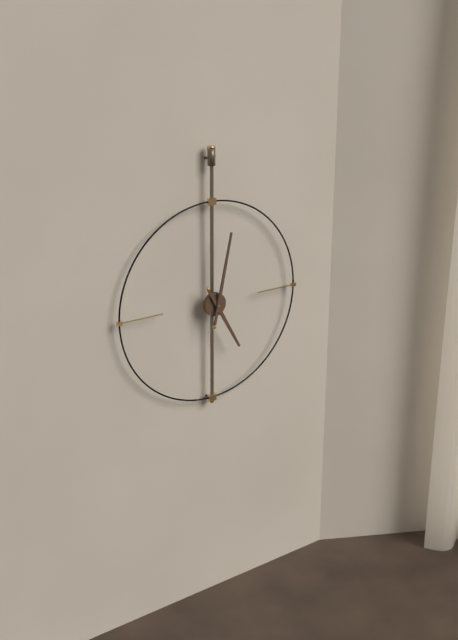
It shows 5h02
